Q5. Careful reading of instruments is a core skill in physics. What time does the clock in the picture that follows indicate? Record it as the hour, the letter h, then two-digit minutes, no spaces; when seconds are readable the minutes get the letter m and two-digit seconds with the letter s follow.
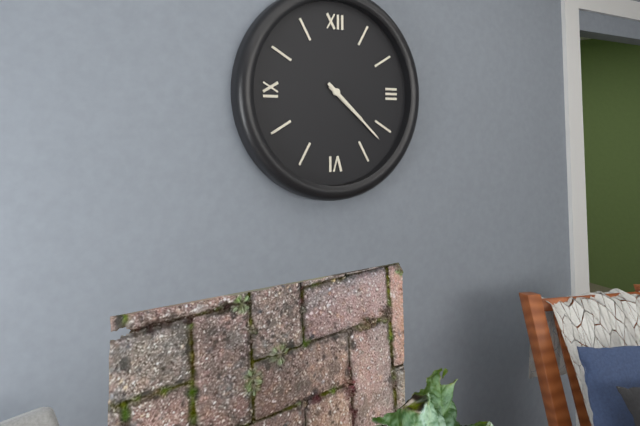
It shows 4h22
